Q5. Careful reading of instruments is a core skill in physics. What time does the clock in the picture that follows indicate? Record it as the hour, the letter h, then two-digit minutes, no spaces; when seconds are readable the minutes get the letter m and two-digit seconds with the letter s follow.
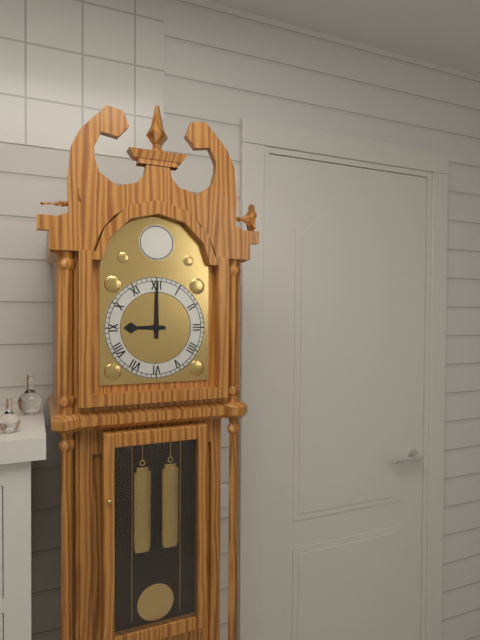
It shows 9h00
